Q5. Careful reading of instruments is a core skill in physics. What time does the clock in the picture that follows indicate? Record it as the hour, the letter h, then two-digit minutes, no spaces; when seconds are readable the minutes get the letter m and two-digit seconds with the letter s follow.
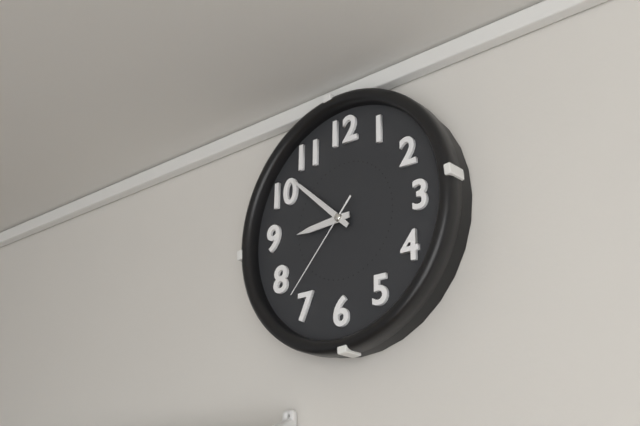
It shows 8h52m37s
